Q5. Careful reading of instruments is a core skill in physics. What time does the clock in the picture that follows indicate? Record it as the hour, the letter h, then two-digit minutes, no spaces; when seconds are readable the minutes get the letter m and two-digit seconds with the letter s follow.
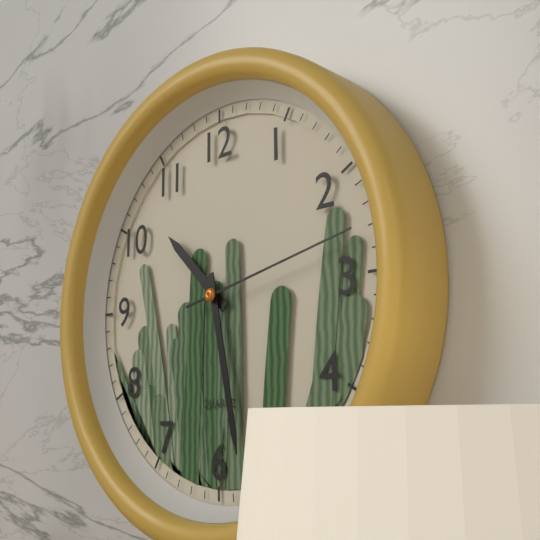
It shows 10h28m13s
